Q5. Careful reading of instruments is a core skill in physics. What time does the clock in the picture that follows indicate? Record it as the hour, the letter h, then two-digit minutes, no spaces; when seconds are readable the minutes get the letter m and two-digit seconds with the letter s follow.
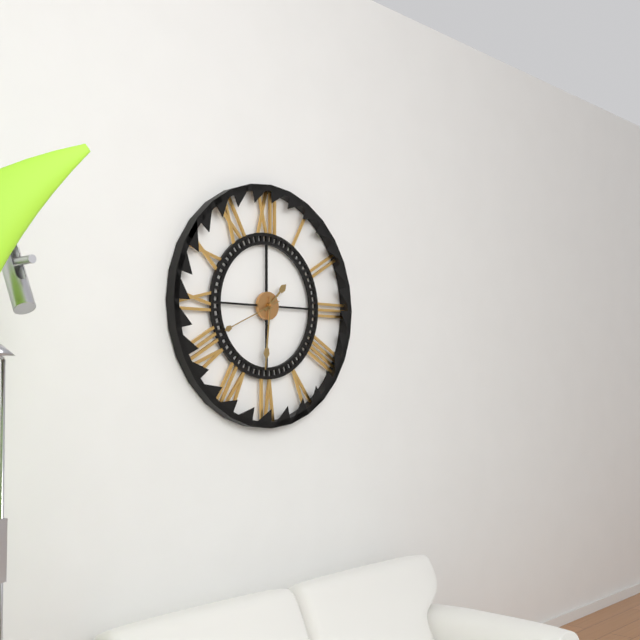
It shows 1h31m41s
